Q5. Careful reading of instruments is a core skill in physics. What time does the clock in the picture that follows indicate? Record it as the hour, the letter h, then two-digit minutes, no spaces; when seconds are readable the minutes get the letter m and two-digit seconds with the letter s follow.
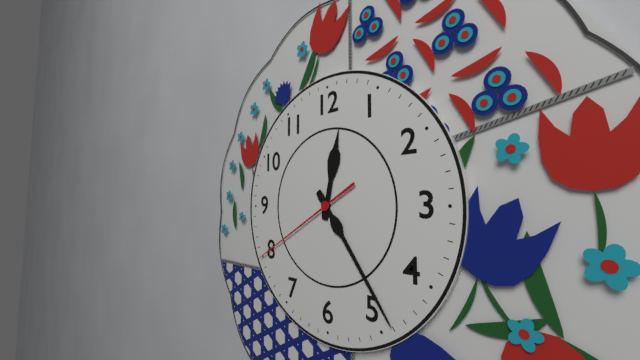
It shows 12h24m40s
